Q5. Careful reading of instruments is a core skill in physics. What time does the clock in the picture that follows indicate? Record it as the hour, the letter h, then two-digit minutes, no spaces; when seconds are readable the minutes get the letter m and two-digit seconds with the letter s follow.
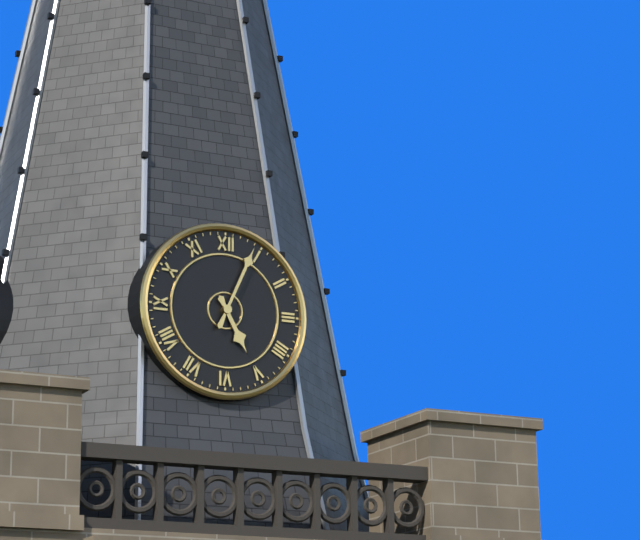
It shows 5h04
